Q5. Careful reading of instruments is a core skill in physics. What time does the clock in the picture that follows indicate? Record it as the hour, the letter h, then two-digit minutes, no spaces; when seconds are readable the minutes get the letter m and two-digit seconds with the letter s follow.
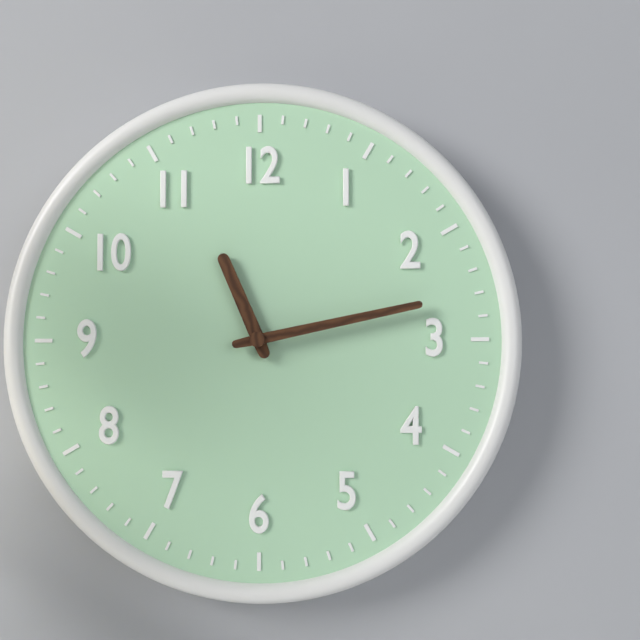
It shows 11h13
